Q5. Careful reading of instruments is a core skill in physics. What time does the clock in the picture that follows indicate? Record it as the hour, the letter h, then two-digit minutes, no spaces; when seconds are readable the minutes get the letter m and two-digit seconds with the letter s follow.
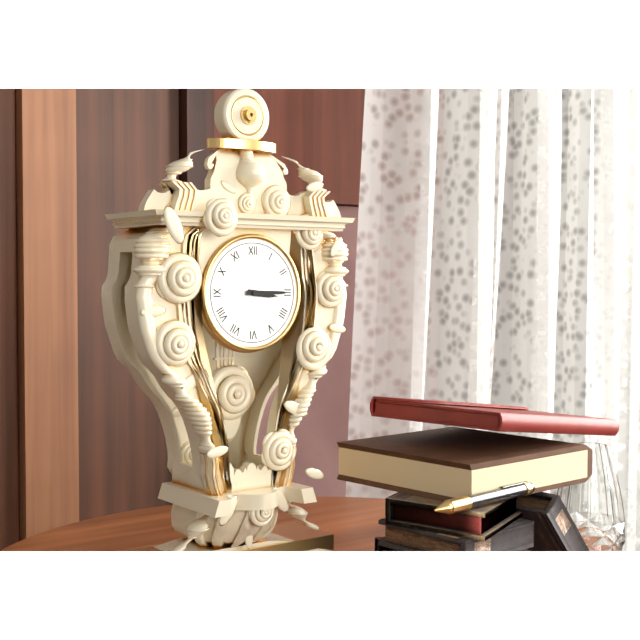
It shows 3h15
